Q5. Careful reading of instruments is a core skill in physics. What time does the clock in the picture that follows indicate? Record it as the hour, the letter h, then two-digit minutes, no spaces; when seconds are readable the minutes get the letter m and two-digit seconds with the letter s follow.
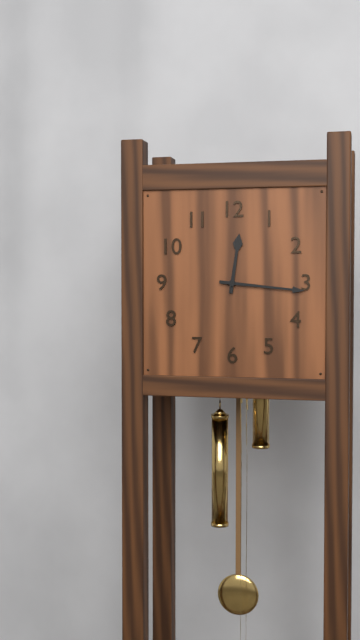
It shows 12h16
